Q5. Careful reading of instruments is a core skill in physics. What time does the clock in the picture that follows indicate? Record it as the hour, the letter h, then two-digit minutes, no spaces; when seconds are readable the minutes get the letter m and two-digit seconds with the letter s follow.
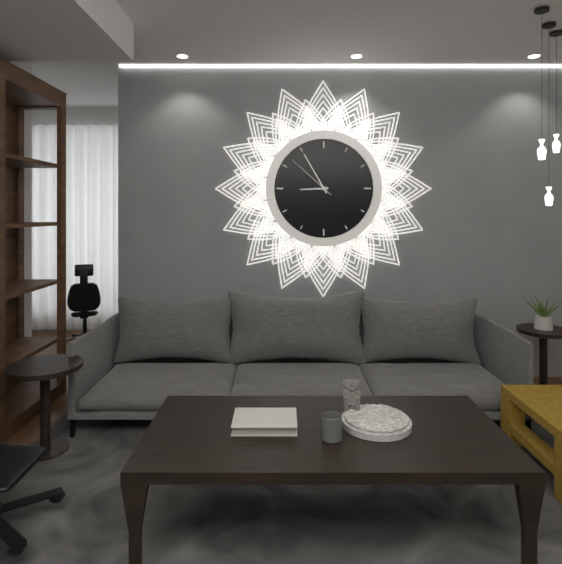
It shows 8h55m52s
